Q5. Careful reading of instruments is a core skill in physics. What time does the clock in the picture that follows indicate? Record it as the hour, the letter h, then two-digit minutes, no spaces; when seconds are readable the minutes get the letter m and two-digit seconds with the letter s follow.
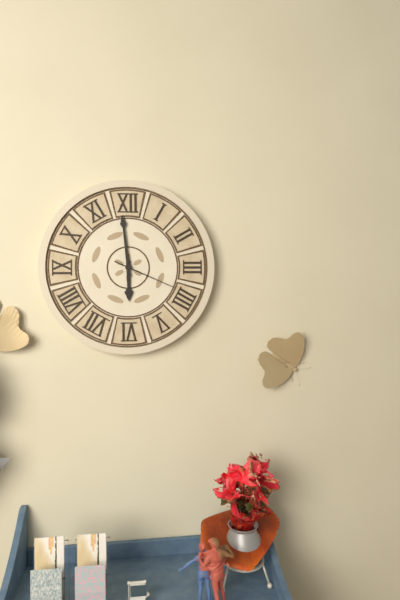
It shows 5h59m19s
